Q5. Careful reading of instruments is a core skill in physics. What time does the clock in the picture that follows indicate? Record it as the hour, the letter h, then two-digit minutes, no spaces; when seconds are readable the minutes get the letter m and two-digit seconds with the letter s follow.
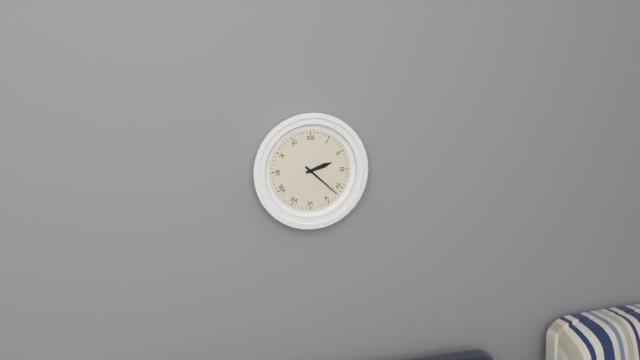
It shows 2h22
